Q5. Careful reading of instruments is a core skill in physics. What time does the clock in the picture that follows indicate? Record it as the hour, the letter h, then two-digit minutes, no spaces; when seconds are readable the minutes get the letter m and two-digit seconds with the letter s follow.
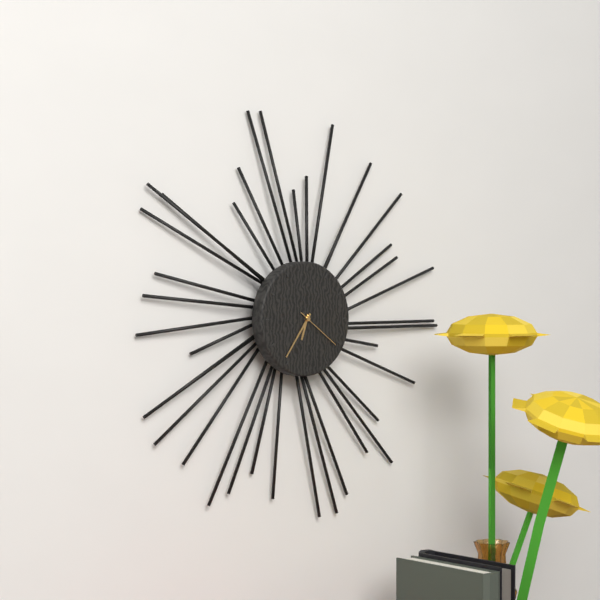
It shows 6h36
